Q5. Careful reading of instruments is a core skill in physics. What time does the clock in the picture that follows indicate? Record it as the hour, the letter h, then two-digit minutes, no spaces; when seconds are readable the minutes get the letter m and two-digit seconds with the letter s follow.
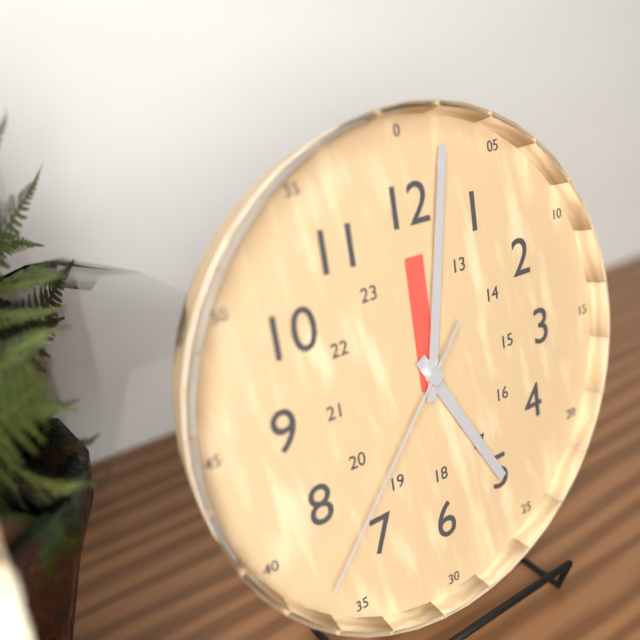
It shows 5h02m37s
